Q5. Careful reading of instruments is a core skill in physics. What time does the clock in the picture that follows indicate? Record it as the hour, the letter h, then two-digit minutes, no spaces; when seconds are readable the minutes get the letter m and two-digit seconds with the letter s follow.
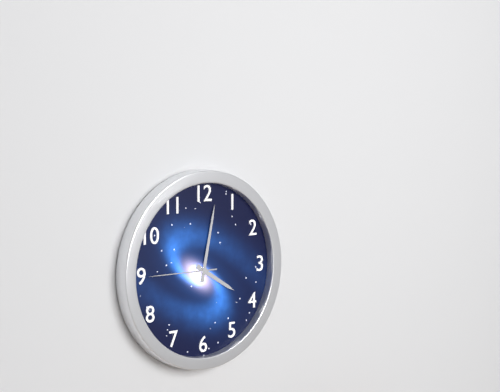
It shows 4h02m45s
